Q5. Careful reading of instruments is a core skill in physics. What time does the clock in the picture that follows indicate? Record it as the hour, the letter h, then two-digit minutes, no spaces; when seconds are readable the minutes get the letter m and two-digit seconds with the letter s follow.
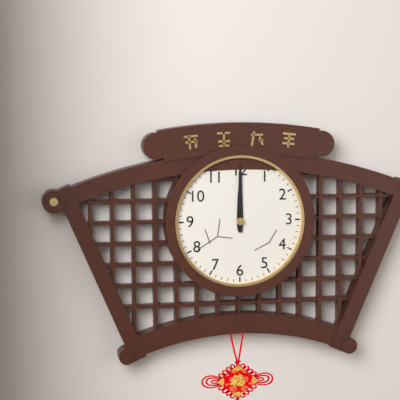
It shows 12h00
